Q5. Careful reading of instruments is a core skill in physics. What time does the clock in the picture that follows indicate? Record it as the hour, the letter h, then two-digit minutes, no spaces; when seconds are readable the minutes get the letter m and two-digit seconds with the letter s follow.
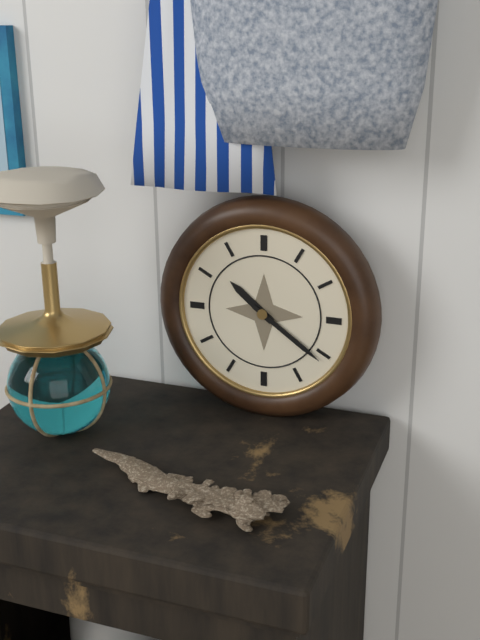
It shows 10h21
